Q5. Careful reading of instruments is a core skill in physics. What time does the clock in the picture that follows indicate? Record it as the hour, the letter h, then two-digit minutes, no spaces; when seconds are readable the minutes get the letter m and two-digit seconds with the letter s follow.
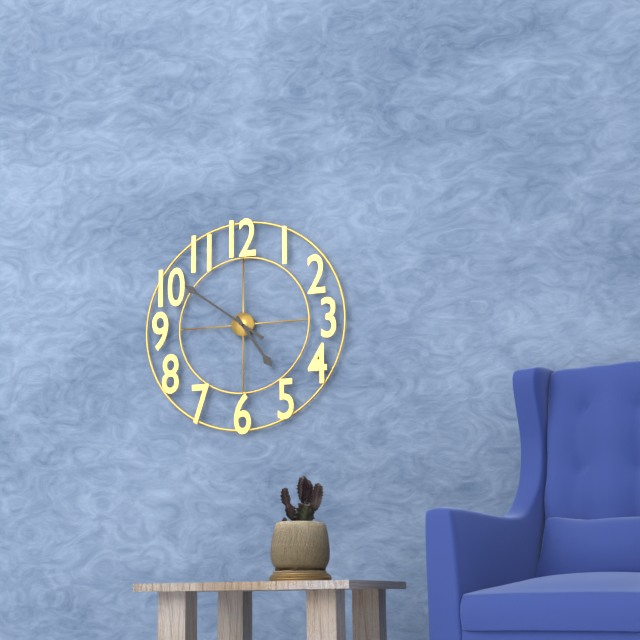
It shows 4h51
